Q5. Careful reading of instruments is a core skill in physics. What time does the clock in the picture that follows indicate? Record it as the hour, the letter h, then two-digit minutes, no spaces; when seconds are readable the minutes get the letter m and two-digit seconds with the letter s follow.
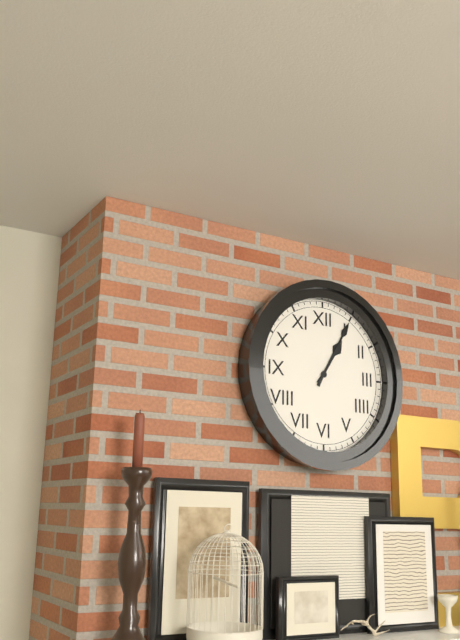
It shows 1h05
